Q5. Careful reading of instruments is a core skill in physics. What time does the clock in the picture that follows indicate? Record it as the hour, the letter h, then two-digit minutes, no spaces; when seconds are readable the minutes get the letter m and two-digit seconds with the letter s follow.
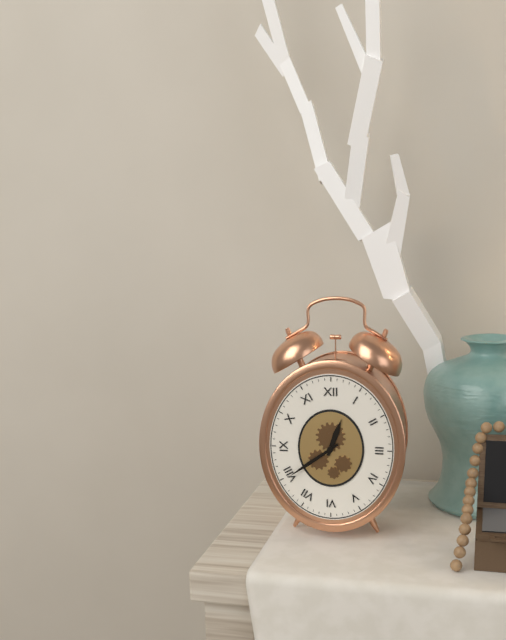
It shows 12h39
